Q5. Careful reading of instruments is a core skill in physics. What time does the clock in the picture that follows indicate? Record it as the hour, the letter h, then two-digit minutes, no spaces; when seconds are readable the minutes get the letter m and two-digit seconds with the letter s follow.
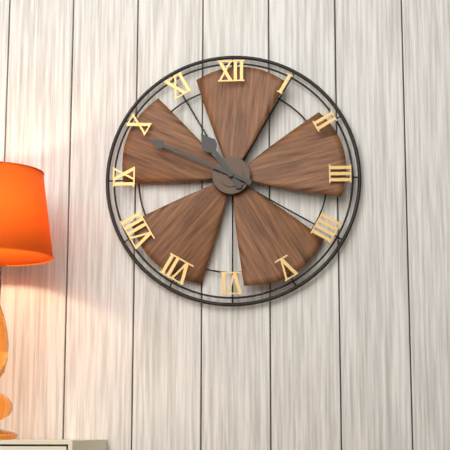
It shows 10h49
